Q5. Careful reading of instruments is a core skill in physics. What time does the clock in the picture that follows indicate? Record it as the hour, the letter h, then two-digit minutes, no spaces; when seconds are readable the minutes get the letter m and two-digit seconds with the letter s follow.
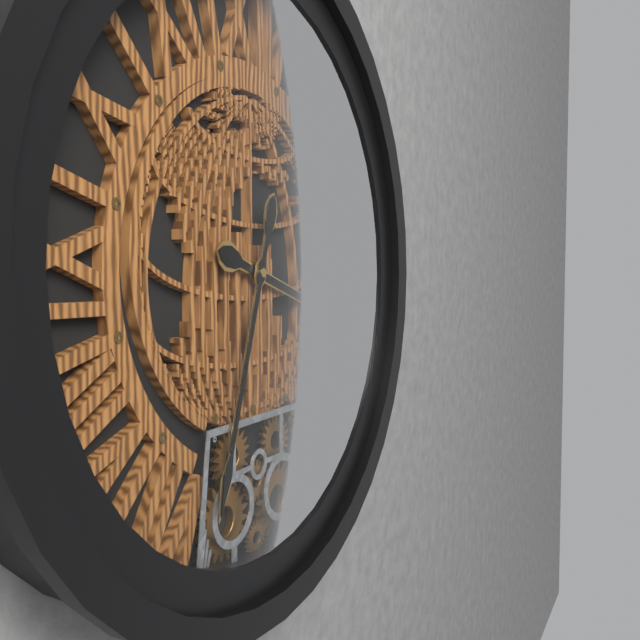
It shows 3h33
